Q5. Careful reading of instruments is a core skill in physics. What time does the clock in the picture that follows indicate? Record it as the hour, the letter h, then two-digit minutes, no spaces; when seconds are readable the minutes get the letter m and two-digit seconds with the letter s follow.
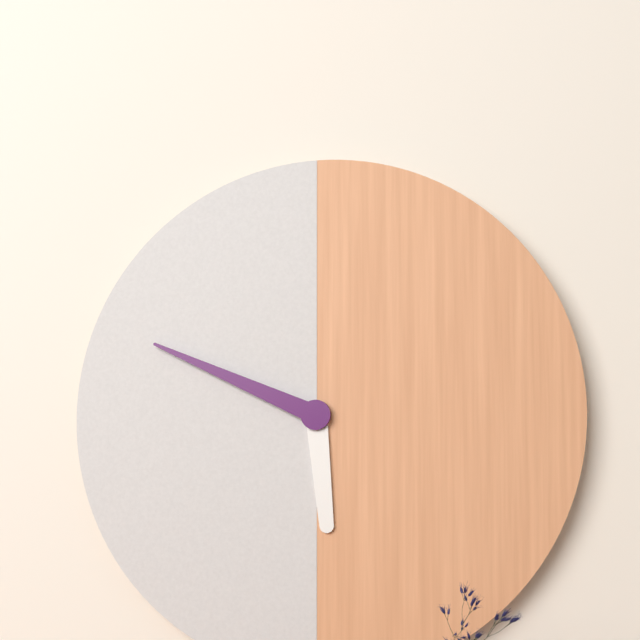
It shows 5h49
